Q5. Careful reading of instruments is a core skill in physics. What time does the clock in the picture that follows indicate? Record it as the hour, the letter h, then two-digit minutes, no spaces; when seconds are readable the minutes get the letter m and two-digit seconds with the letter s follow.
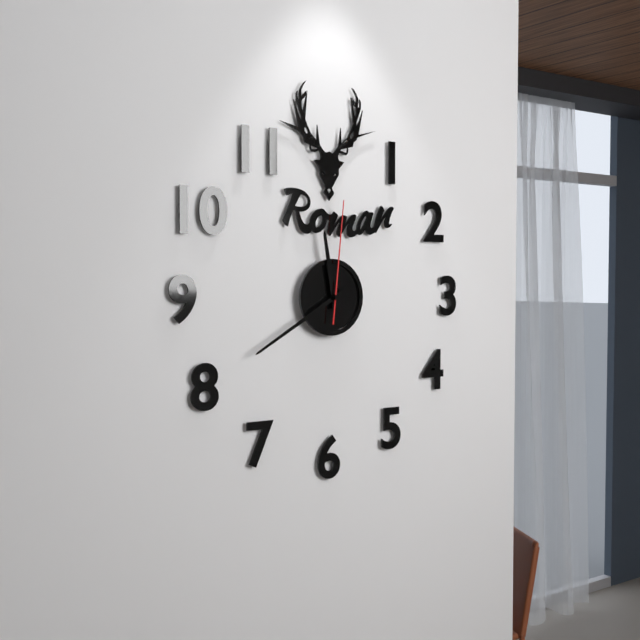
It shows 11h40m01s
